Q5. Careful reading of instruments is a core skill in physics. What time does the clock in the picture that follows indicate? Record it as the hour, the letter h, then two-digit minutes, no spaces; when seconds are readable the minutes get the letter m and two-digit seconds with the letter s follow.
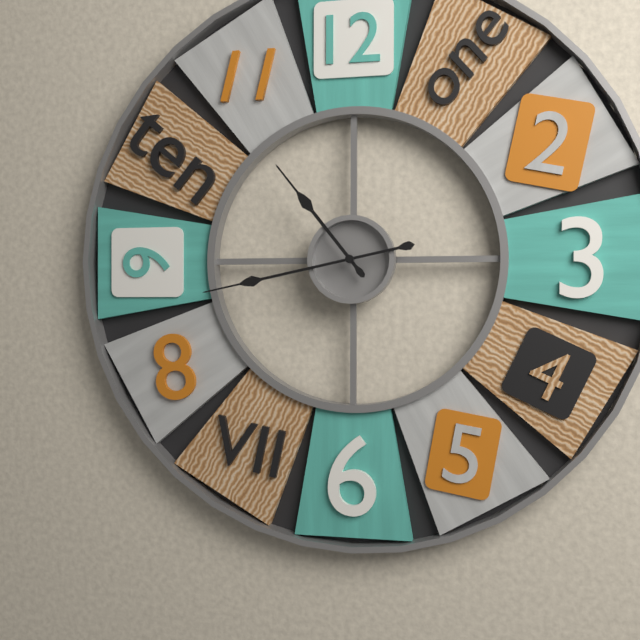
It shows 10h43
